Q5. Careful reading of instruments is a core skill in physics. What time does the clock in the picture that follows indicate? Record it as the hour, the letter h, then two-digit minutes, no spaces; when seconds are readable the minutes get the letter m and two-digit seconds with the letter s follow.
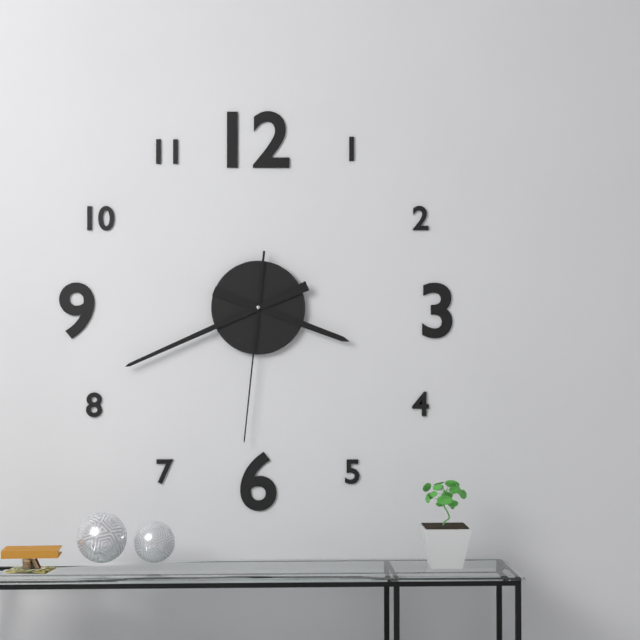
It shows 3h41m31s
